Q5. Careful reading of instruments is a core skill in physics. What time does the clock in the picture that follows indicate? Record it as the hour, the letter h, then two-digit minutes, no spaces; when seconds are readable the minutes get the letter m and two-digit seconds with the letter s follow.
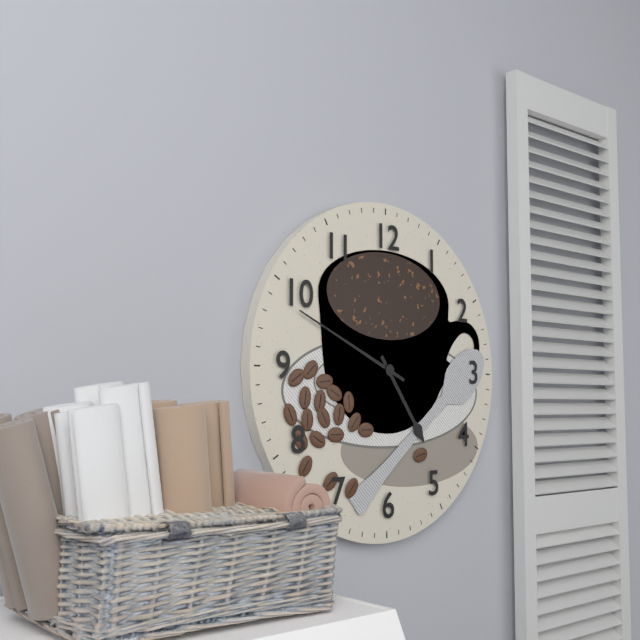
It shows 4h49
